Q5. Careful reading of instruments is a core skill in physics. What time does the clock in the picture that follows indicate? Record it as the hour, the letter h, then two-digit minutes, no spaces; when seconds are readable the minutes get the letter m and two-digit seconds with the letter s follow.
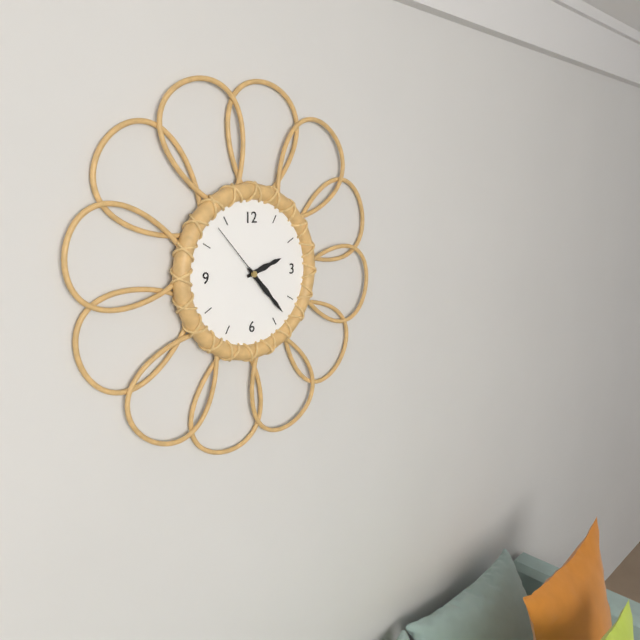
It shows 2h23m53s
